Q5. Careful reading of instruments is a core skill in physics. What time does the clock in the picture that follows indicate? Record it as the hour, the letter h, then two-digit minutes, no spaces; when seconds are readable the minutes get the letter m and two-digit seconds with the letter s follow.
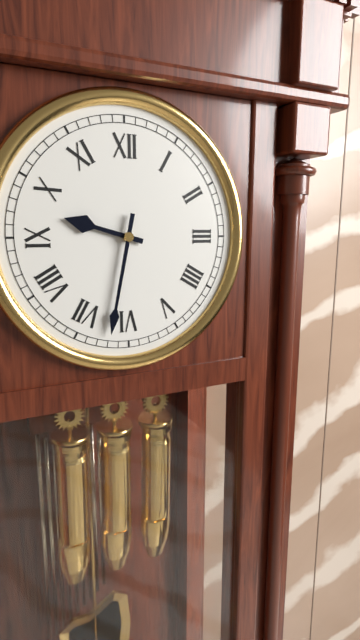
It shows 9h32
